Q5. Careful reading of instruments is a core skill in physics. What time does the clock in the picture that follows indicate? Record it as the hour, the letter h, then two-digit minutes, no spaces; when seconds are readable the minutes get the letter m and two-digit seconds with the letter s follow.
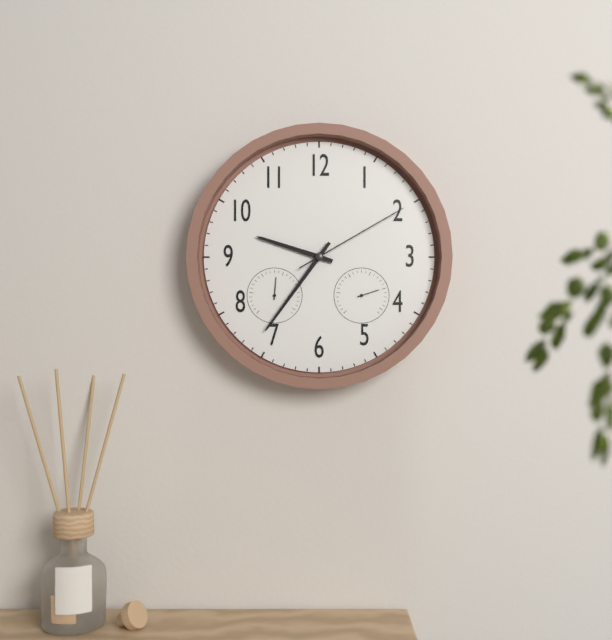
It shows 9h36m10s
